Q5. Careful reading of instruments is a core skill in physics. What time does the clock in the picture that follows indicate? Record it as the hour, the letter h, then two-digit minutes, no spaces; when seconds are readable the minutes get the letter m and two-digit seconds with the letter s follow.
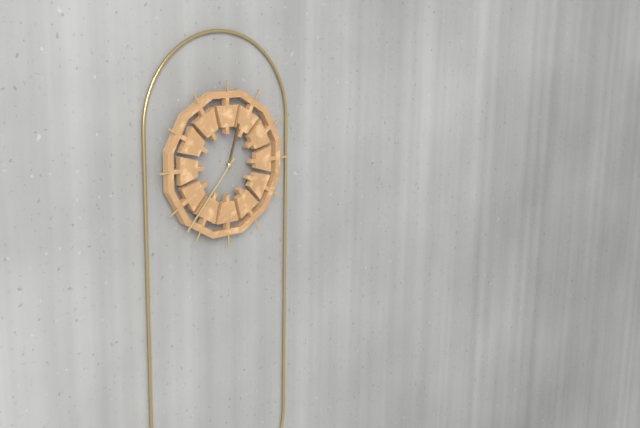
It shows 12h37
